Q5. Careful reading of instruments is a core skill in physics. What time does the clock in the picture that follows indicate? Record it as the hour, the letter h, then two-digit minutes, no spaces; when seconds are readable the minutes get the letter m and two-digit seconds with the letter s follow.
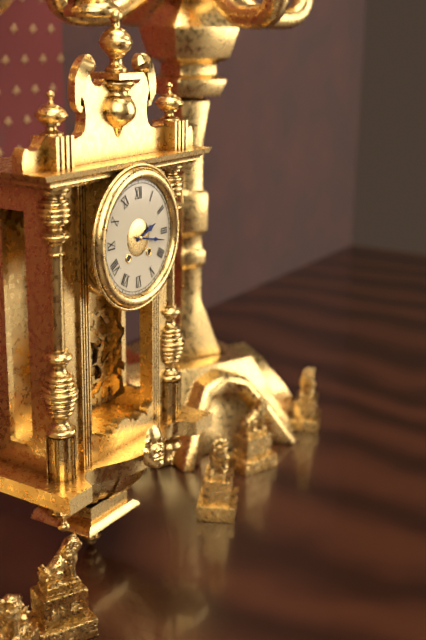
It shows 2h17
